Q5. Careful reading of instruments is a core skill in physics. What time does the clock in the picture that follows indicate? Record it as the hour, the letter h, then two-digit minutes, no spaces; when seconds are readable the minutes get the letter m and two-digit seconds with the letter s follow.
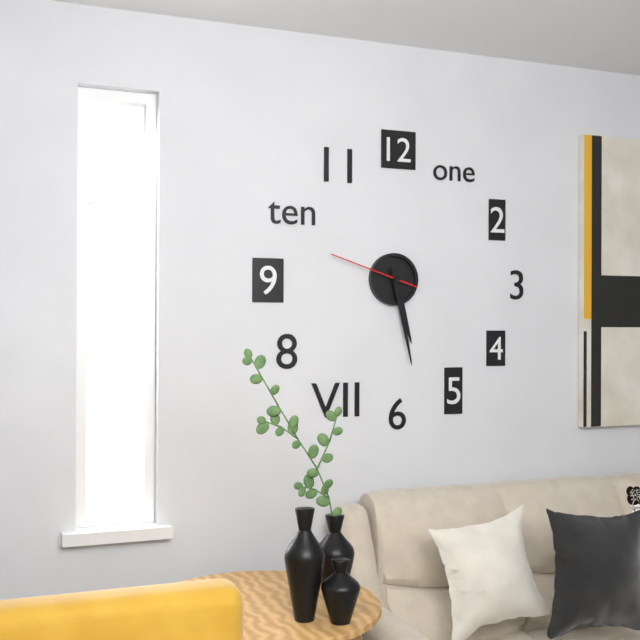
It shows 5h28m48s
